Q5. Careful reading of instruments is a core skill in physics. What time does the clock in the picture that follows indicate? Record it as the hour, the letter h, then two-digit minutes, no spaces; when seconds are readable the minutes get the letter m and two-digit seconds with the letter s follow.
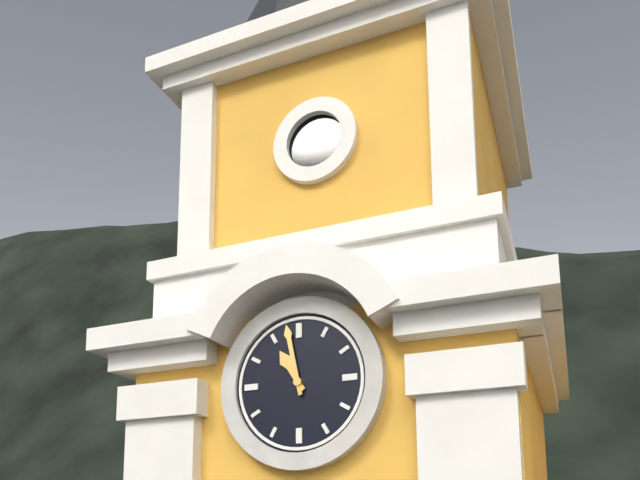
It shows 10h58
